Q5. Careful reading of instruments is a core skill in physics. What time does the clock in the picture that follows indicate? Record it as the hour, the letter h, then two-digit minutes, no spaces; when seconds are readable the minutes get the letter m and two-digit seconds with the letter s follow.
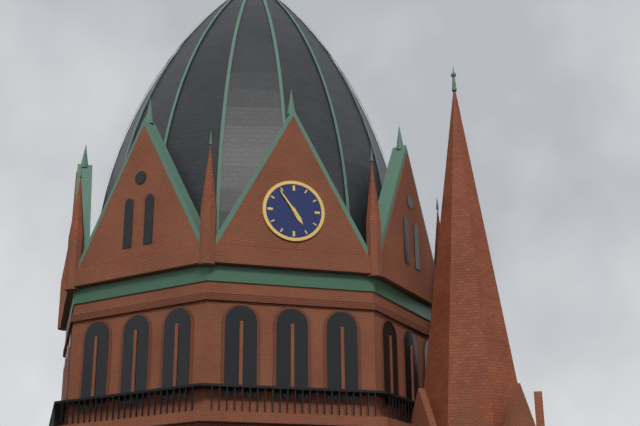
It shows 4h54
